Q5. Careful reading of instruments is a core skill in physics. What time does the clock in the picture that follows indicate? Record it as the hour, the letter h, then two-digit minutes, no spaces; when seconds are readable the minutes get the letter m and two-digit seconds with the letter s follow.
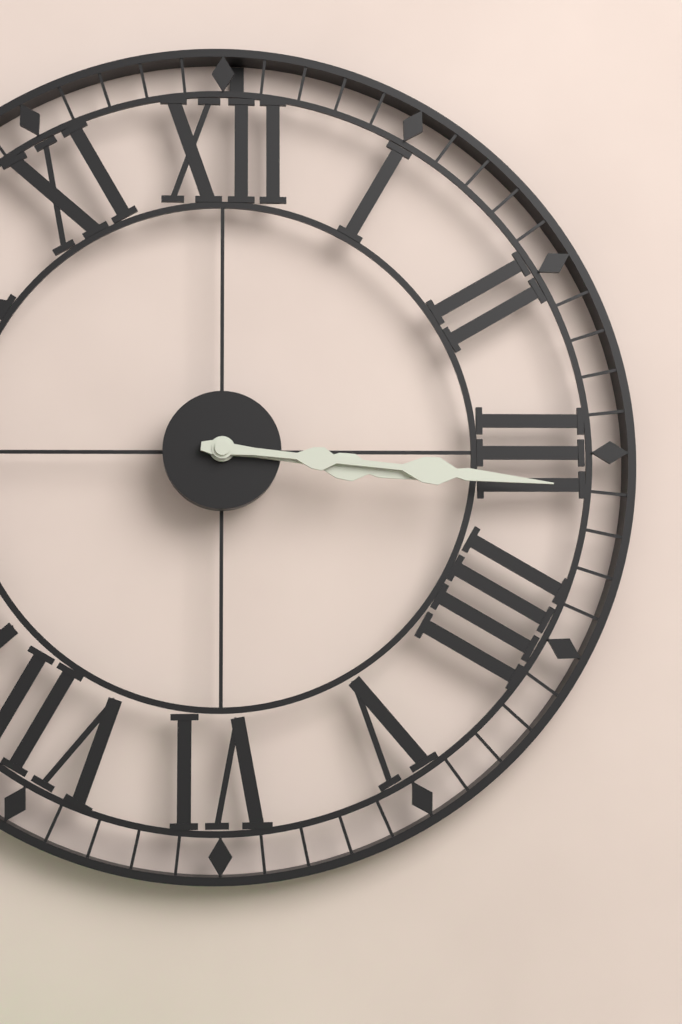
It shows 3h16
